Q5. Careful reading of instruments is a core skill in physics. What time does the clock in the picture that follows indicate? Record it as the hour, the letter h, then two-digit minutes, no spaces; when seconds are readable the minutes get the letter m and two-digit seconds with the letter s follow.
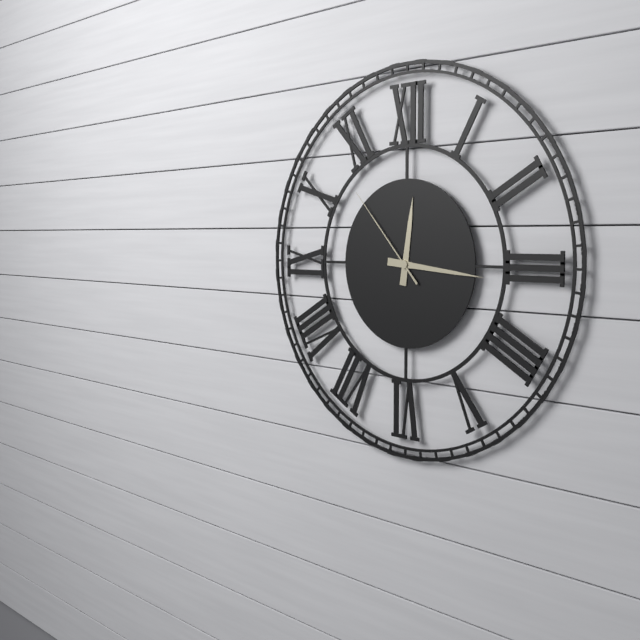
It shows 12h16m53s
